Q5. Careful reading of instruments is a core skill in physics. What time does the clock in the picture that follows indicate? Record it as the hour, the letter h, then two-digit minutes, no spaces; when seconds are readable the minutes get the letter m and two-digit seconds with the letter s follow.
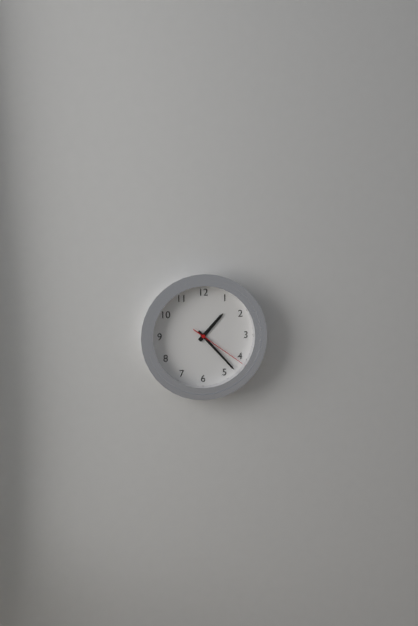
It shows 1h23m21s
